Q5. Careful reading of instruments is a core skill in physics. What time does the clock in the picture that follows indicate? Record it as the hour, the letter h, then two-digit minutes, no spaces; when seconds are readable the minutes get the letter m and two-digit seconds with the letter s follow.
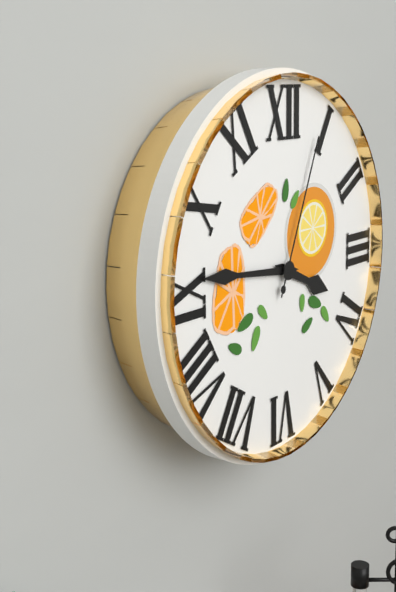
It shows 3h46m04s
